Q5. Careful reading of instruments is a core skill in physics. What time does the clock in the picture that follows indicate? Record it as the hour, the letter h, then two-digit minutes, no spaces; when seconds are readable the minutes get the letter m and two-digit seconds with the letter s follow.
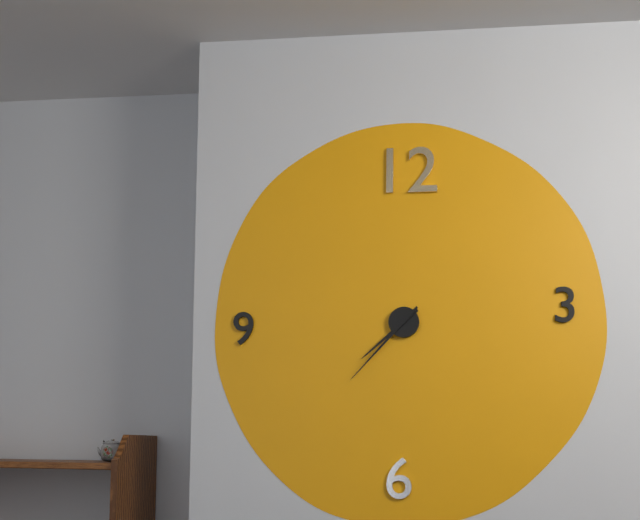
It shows 7h37
